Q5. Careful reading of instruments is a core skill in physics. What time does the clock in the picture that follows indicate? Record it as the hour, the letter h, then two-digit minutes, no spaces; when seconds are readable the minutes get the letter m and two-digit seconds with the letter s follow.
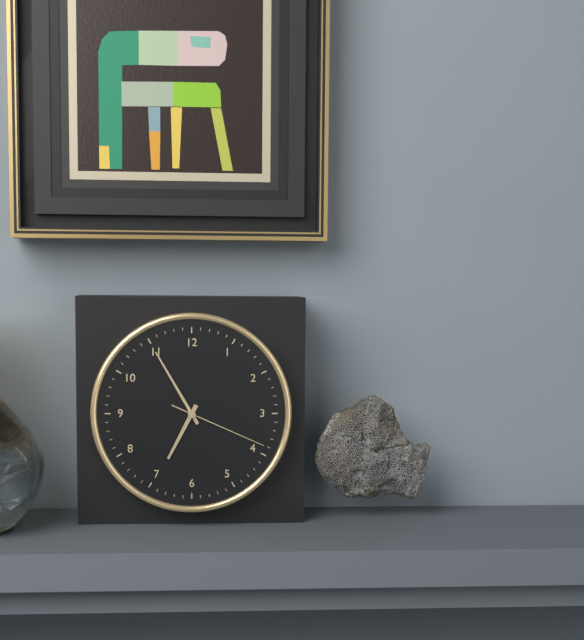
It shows 6h55m19s
